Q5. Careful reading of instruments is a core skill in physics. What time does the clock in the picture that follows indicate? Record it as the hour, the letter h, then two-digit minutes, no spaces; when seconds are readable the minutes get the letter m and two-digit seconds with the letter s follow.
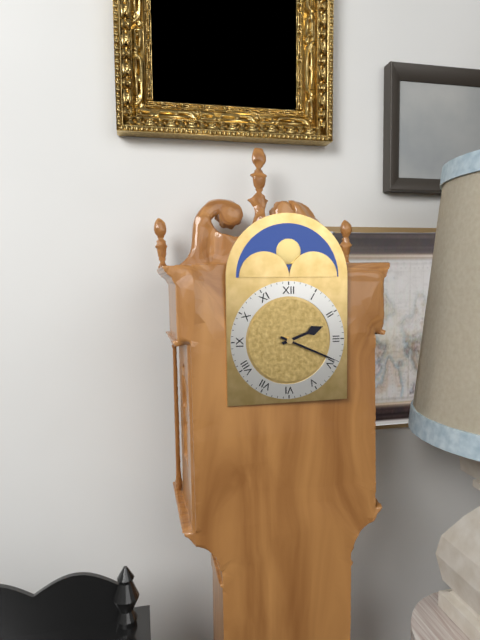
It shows 2h19
